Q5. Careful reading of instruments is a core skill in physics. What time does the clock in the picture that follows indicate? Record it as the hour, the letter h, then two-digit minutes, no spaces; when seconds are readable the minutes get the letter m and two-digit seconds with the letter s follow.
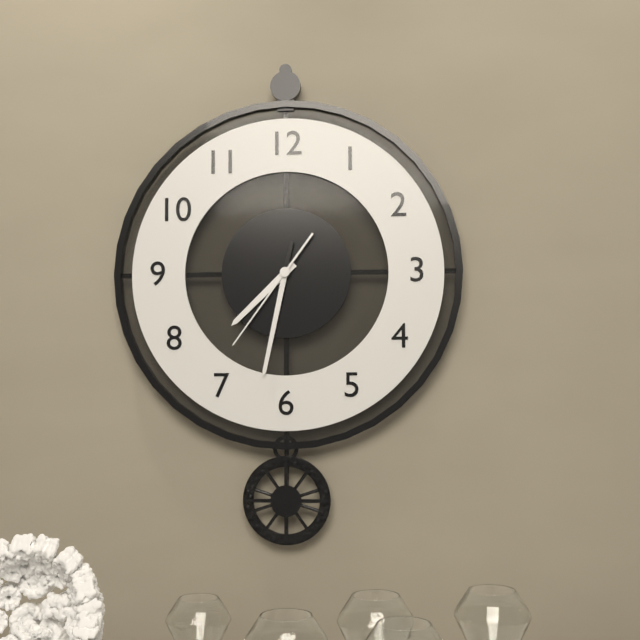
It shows 7h32m36s
